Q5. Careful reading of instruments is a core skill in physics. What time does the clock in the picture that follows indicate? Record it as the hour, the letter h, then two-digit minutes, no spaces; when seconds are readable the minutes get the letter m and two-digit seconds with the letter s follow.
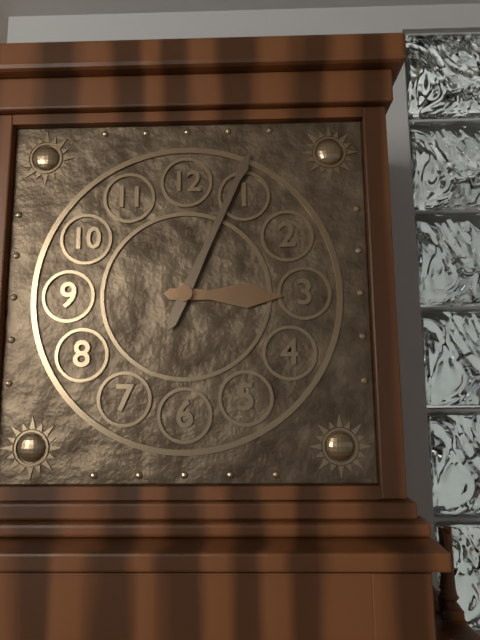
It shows 3h04
